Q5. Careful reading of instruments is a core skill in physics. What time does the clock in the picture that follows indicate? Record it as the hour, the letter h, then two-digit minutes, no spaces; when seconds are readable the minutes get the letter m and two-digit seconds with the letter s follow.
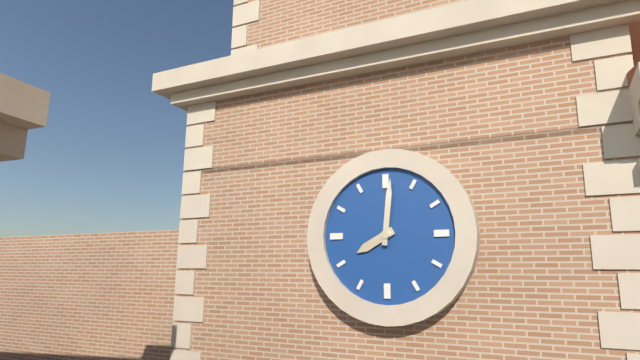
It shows 8h01
